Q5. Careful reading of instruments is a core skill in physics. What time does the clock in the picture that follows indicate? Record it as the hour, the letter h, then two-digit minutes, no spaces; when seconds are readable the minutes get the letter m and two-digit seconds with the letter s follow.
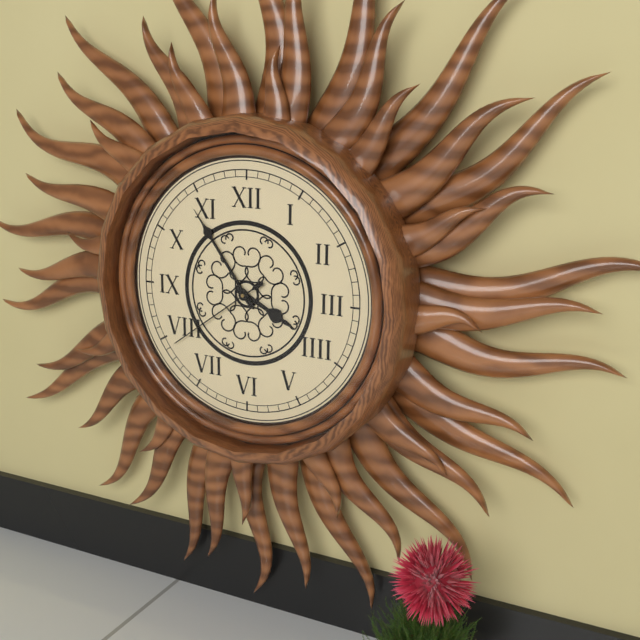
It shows 3h54m39s
